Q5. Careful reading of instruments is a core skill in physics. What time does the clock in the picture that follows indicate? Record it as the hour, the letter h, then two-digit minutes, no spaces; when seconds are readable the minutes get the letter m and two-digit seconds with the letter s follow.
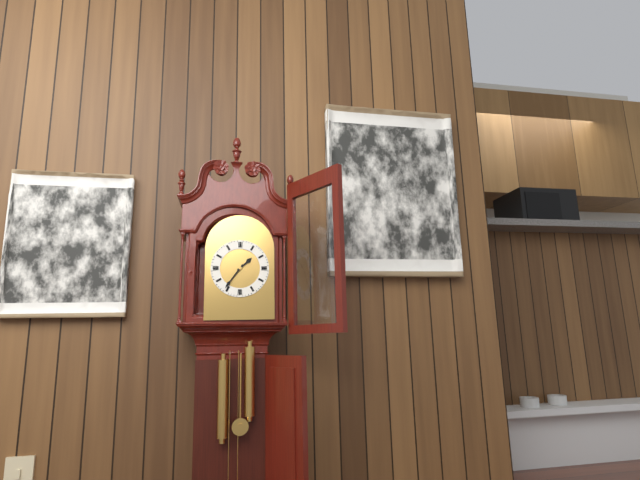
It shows 1h36
